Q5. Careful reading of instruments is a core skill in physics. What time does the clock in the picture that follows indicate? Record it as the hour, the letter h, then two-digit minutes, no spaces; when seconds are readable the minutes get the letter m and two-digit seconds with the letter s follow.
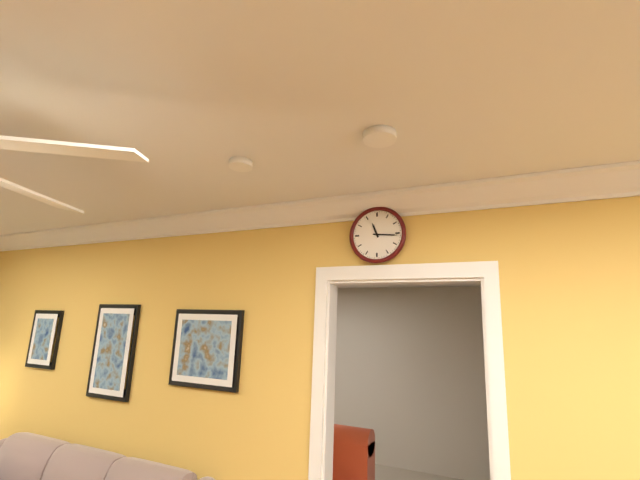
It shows 11h16
